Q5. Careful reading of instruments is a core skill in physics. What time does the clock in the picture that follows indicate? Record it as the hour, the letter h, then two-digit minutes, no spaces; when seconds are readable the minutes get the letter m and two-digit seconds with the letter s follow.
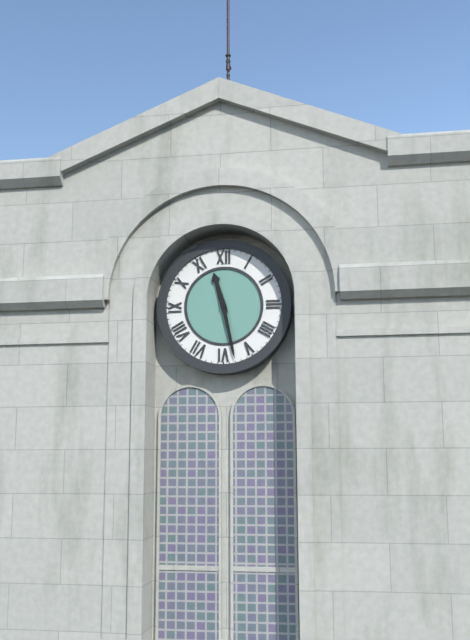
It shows 11h28
